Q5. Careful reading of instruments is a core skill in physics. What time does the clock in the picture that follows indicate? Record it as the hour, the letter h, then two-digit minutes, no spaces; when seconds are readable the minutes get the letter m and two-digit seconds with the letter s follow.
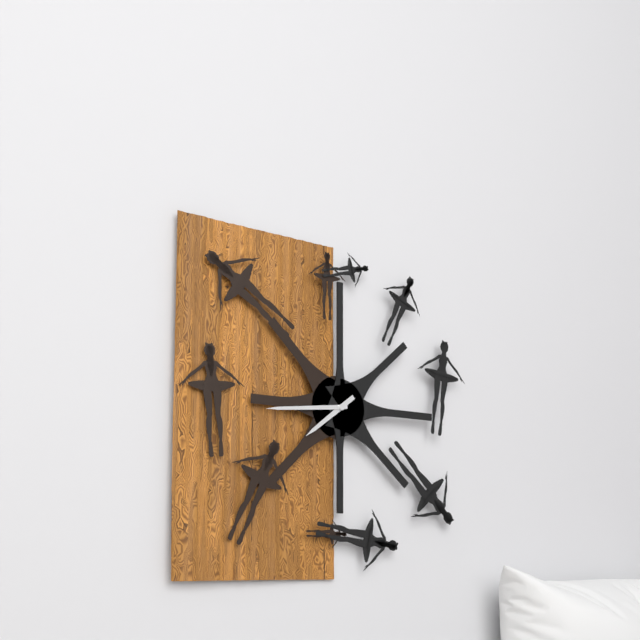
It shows 7h44
